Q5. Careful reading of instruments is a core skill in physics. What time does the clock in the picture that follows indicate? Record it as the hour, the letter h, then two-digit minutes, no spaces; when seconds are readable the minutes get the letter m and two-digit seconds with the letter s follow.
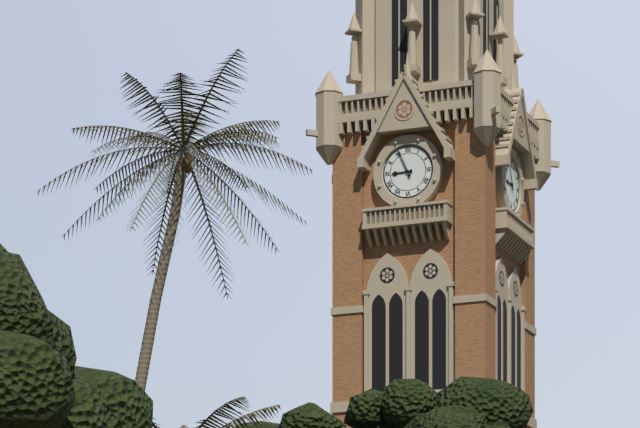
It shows 8h56
